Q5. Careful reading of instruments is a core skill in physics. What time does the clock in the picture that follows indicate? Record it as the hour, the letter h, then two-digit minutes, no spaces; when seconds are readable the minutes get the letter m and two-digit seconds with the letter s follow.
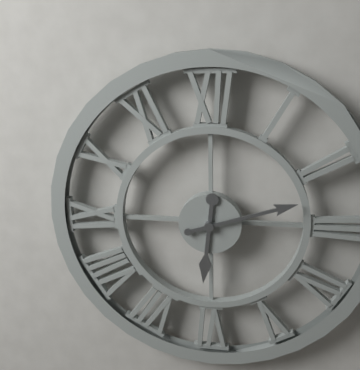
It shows 6h12
